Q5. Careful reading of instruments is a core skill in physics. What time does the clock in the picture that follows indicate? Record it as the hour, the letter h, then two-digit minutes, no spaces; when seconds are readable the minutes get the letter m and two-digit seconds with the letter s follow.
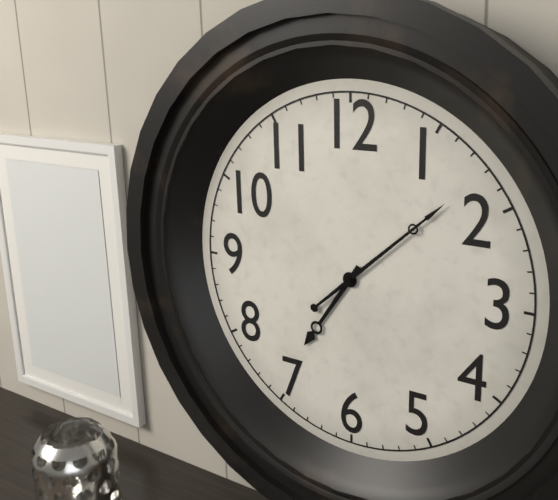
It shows 7h08
